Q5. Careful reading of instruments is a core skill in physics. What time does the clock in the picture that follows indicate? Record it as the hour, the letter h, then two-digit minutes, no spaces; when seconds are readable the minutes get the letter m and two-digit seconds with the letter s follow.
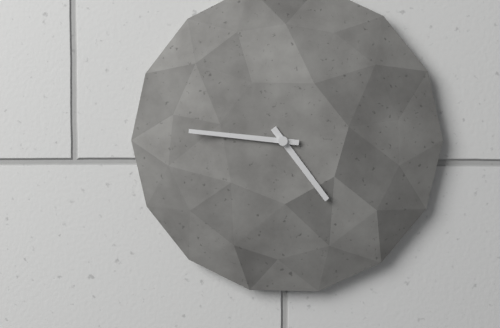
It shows 4h46
